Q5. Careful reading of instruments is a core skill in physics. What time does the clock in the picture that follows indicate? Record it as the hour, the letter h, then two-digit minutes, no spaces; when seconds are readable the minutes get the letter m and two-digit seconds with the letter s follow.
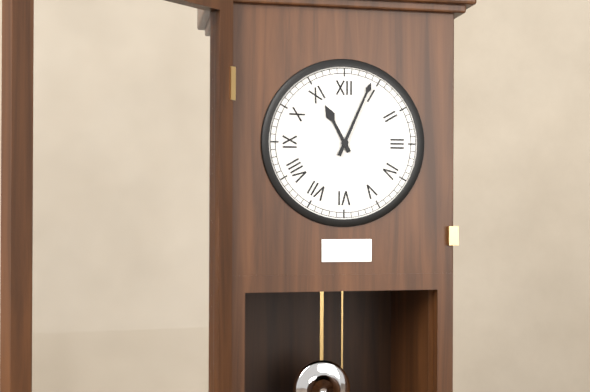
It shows 11h04
